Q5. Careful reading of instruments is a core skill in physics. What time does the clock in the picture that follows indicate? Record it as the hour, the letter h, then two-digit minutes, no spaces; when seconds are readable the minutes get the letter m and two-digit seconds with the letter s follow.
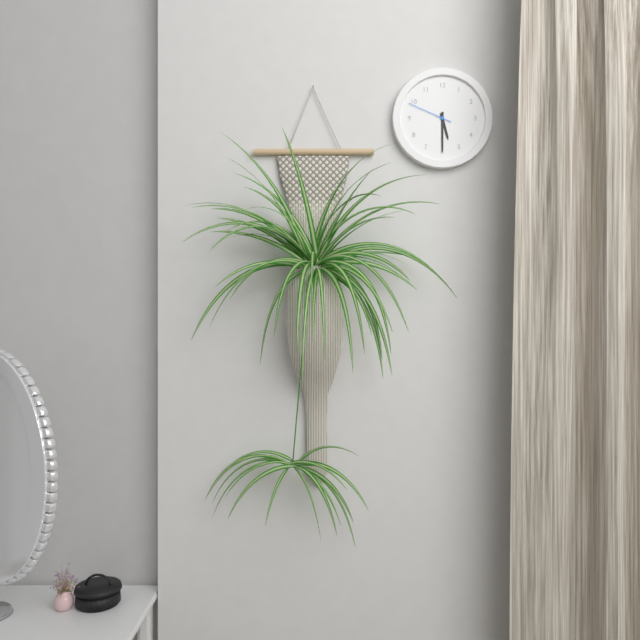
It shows 5h30
